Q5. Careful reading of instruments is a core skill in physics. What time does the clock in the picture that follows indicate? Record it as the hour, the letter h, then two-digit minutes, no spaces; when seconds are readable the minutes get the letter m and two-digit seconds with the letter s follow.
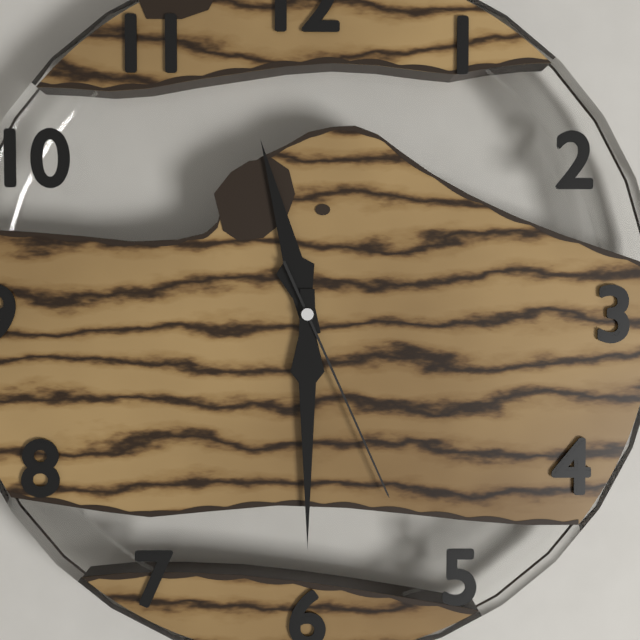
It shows 11h30m26s
